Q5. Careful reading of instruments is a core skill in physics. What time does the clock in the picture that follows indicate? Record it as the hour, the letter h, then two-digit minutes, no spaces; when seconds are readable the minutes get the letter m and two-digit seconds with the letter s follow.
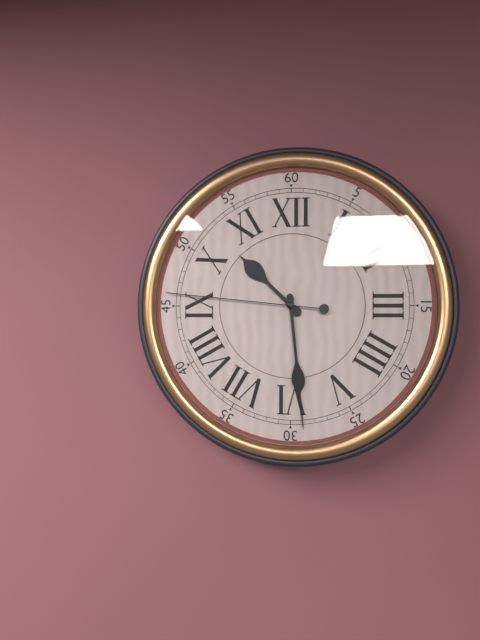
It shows 10h29m46s
